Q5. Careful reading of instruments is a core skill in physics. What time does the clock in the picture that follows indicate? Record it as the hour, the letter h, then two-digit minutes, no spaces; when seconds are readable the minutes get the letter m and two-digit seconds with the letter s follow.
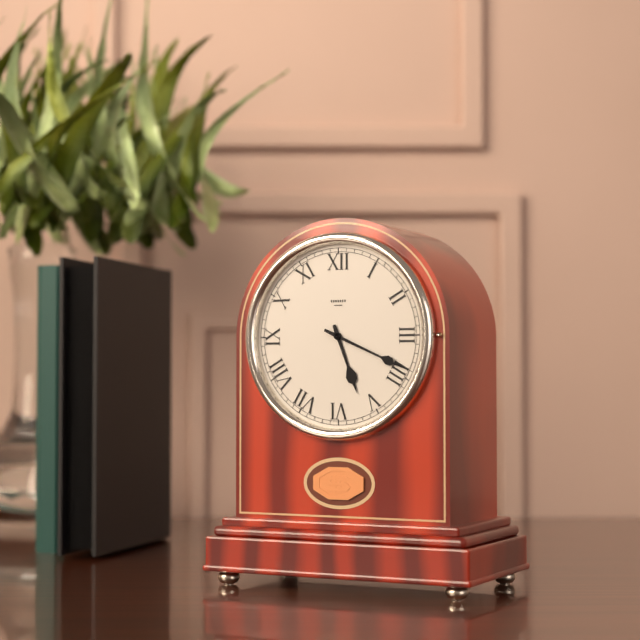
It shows 5h19
